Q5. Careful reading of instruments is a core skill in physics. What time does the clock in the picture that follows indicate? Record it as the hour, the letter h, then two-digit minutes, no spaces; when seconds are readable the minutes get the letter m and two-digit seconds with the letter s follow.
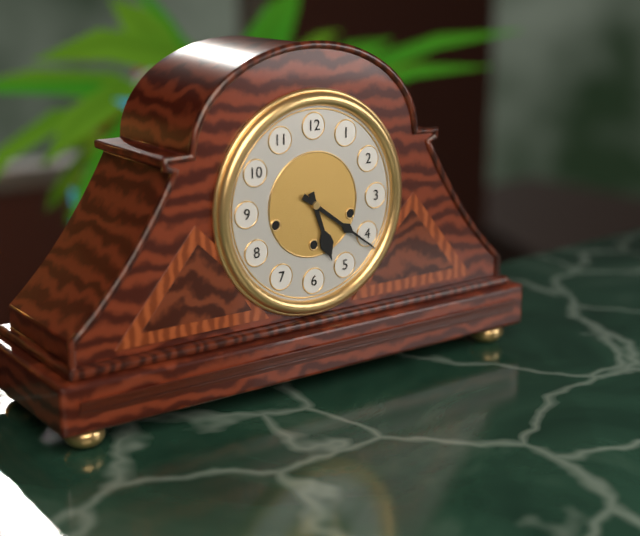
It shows 5h21
